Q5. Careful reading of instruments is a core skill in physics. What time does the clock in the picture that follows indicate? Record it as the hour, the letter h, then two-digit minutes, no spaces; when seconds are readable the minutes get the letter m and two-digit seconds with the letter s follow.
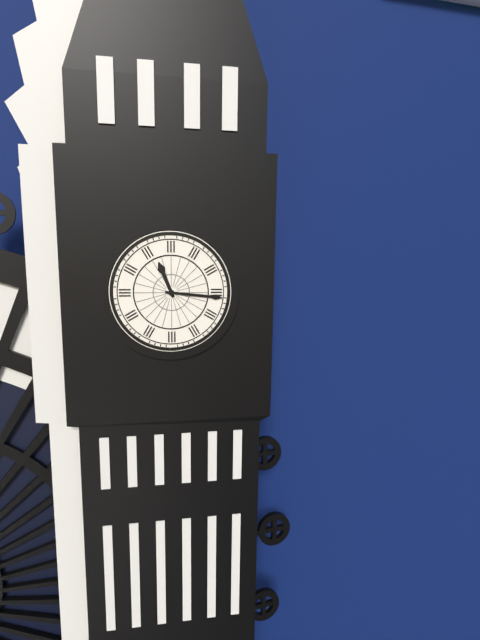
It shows 11h16
